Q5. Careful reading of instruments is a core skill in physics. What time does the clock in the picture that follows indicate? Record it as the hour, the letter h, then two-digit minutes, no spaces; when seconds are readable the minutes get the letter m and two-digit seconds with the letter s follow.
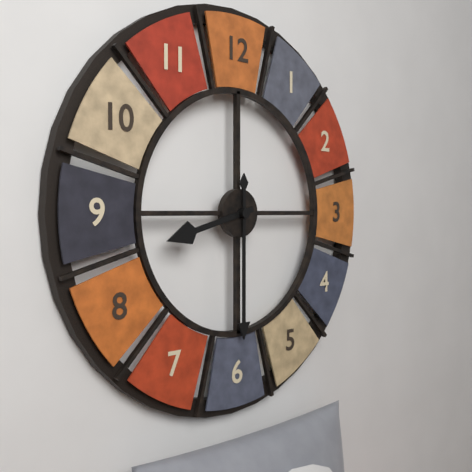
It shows 8h30
